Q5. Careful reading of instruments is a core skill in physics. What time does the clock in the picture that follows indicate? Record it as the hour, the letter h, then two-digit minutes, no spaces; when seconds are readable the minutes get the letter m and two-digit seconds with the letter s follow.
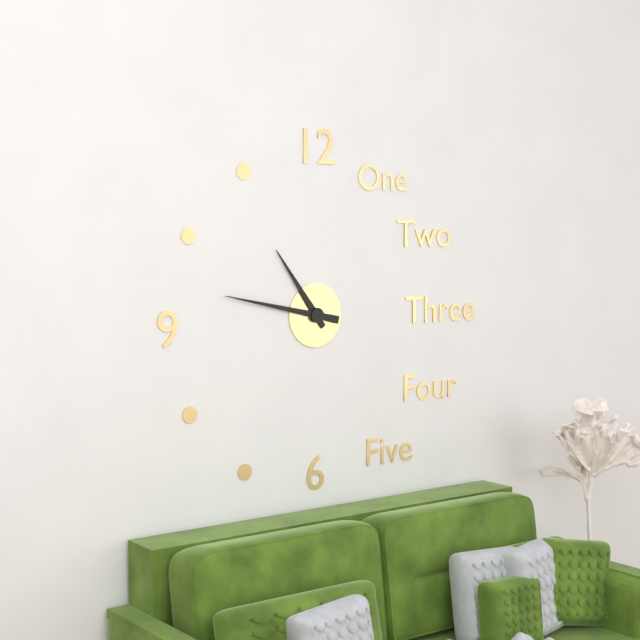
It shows 10h47
